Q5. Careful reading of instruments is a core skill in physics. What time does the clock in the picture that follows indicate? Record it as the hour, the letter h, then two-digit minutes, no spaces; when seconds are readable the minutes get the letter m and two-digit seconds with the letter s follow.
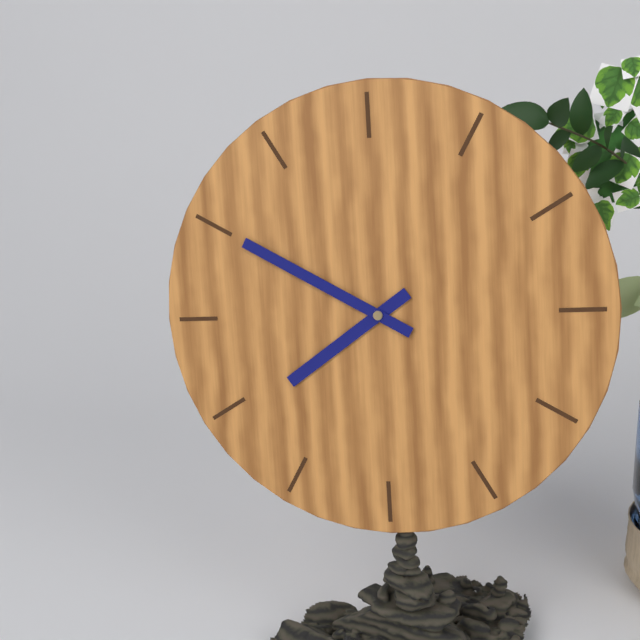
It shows 7h50
